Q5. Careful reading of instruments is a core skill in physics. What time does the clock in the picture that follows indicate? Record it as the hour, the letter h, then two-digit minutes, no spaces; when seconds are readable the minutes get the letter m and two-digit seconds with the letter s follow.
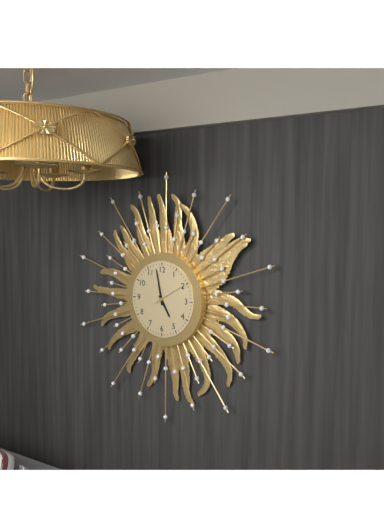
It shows 4h58
